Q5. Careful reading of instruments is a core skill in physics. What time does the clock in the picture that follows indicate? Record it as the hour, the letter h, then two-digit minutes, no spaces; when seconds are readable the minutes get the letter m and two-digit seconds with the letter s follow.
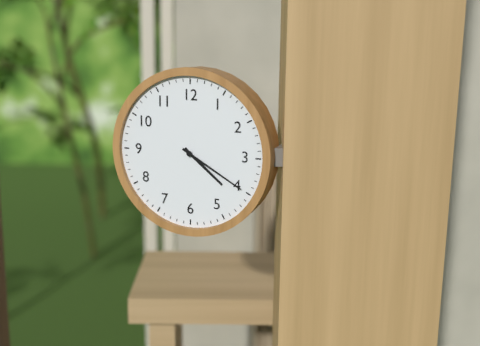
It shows 4h20
